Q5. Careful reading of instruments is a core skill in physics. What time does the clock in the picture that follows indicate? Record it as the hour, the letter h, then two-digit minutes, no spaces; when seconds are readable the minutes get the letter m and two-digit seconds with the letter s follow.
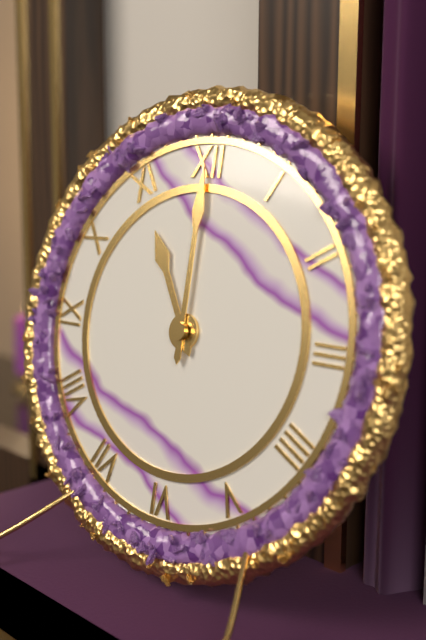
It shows 11h00
